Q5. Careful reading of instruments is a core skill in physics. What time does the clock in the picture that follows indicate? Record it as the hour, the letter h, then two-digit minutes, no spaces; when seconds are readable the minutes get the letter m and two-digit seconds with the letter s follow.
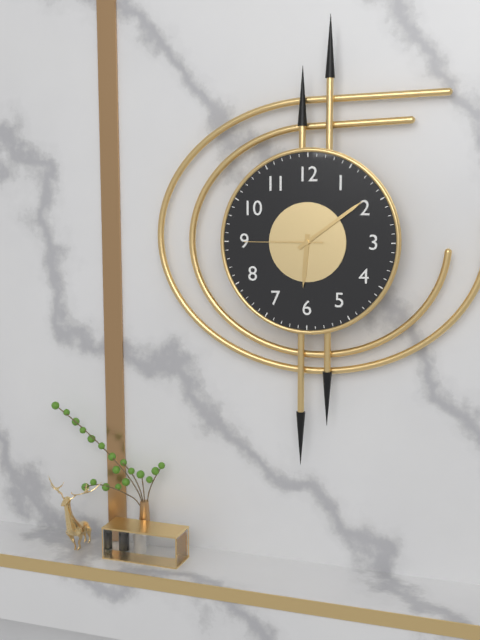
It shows 6h09m45s
